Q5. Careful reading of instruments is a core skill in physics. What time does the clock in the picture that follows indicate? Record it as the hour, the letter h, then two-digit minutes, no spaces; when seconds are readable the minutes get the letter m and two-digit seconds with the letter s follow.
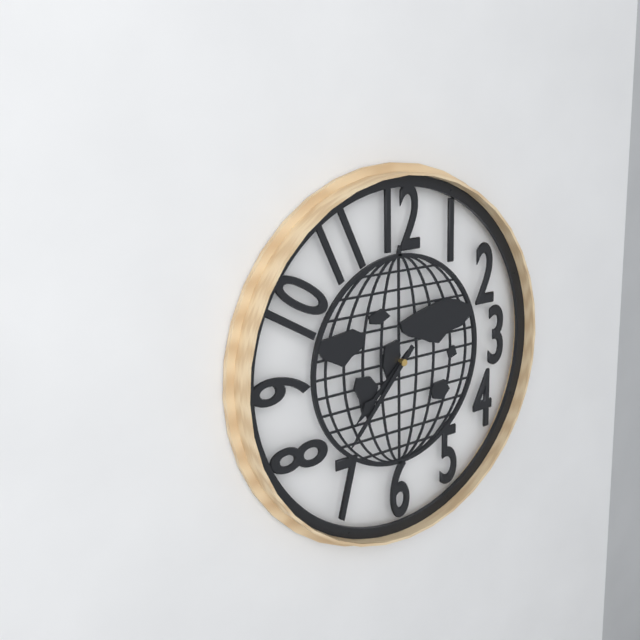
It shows 7h37
